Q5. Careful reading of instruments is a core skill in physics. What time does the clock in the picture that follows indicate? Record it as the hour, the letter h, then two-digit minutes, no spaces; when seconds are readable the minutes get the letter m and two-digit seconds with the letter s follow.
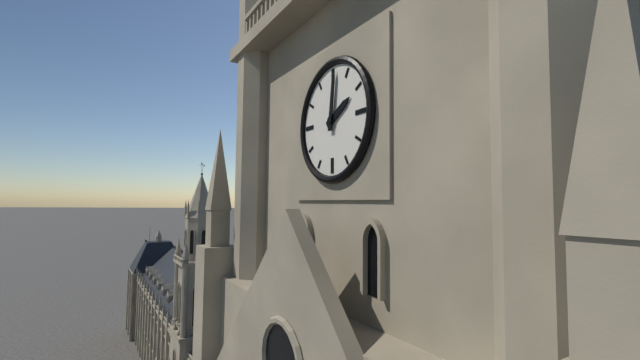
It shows 2h01
